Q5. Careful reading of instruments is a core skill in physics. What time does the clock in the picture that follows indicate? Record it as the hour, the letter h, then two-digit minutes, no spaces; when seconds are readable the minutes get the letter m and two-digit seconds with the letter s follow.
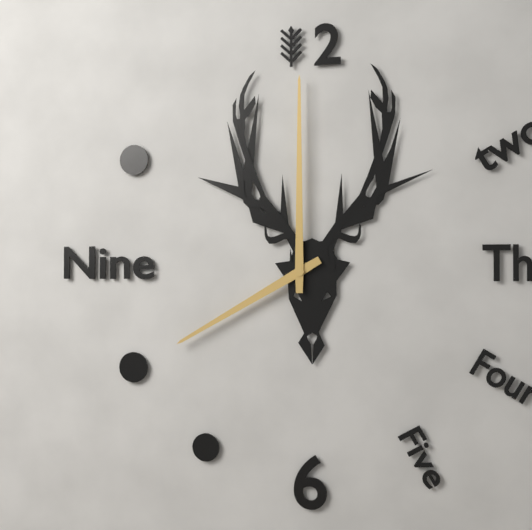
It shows 8h00
